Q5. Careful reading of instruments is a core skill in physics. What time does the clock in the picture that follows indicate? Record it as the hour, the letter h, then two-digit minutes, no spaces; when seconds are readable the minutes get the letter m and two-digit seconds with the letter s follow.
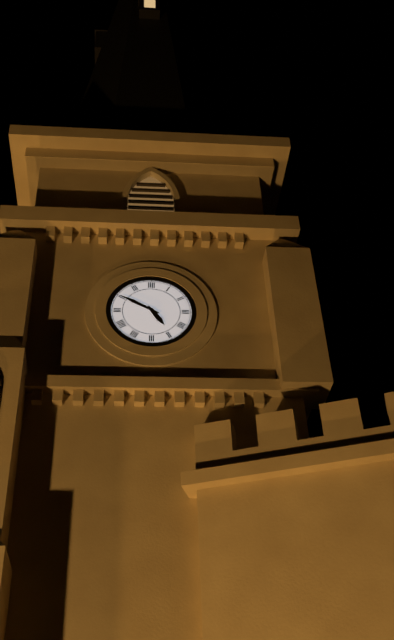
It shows 4h50
